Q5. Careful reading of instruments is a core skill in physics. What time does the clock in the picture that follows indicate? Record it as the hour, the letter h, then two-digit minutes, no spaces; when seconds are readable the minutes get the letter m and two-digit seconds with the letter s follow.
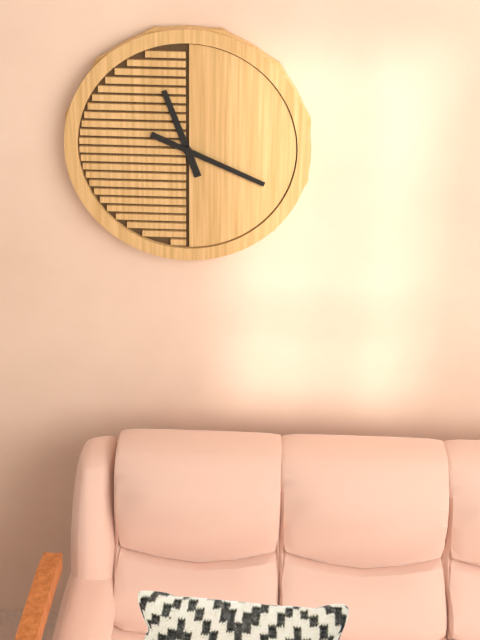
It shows 11h19
